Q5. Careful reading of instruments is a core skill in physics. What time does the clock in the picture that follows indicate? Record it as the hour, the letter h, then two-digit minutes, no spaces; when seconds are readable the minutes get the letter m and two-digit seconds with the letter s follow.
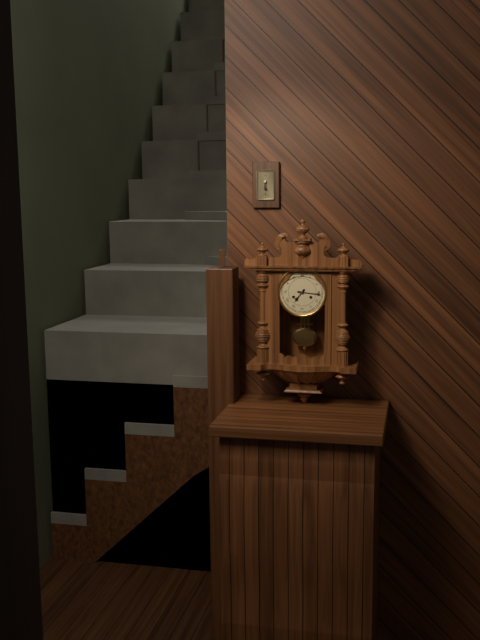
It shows 7h16
